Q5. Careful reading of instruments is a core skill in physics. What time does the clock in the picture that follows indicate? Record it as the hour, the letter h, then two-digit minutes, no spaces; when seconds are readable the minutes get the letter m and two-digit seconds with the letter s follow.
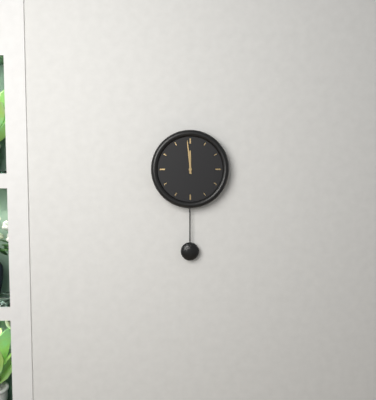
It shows 11h59
